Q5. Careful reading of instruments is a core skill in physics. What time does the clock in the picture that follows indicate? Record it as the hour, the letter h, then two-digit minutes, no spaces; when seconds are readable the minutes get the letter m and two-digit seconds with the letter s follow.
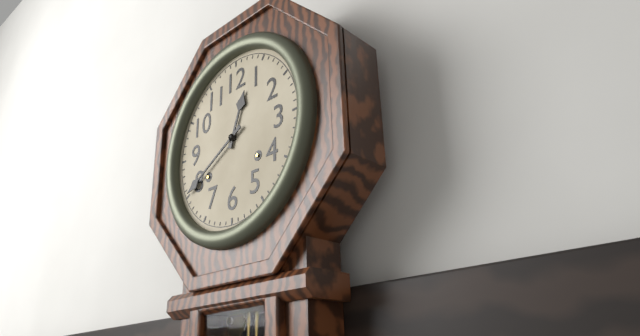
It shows 12h40
